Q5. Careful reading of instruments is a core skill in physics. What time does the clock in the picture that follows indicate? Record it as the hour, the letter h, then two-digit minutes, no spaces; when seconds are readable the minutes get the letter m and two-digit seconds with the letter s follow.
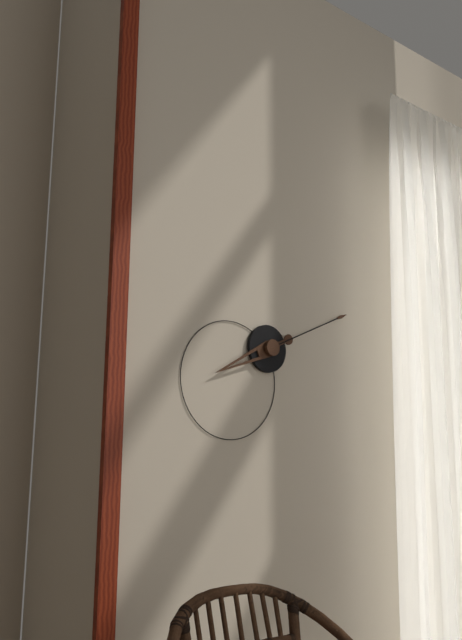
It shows 8h11
